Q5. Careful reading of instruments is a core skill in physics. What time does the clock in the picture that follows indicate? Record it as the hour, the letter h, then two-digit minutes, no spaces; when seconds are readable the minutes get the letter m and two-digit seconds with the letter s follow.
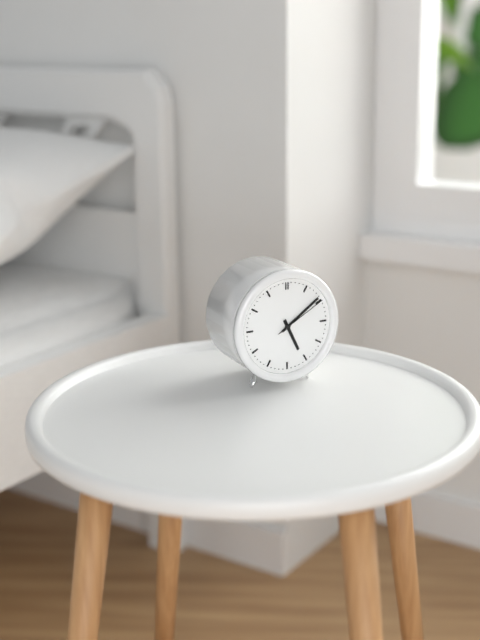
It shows 5h09m10s
